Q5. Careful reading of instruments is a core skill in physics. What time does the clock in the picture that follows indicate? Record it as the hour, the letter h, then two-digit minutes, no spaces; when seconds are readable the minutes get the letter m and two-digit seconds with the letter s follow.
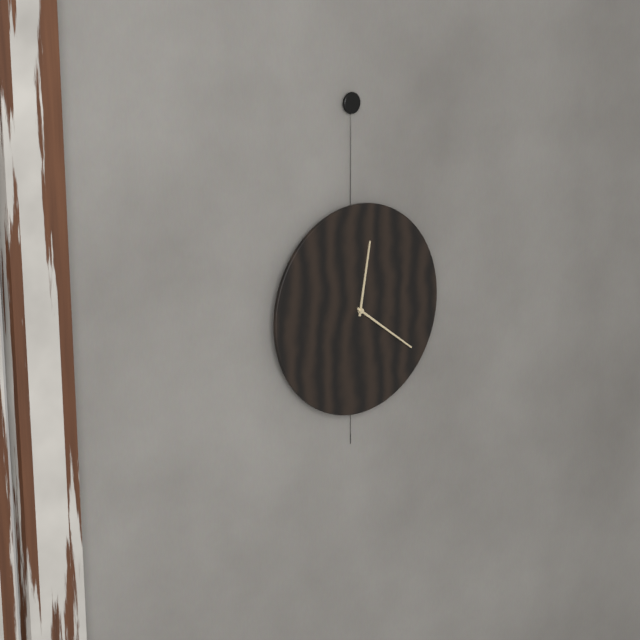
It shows 12h21
